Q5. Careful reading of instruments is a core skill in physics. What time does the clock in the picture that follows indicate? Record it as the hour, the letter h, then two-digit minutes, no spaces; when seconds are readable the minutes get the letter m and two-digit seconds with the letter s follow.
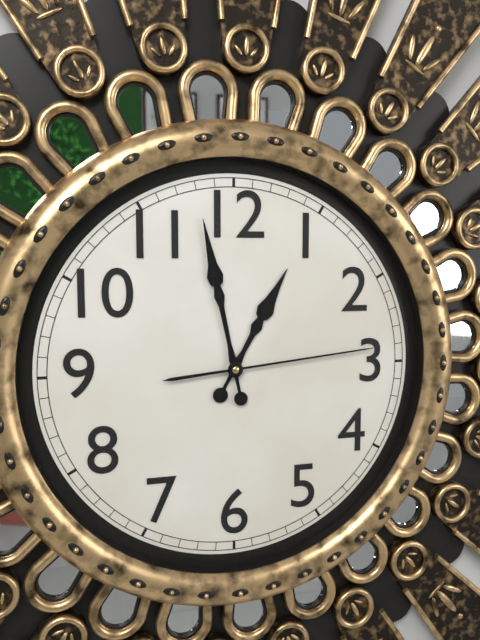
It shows 12h58m14s
